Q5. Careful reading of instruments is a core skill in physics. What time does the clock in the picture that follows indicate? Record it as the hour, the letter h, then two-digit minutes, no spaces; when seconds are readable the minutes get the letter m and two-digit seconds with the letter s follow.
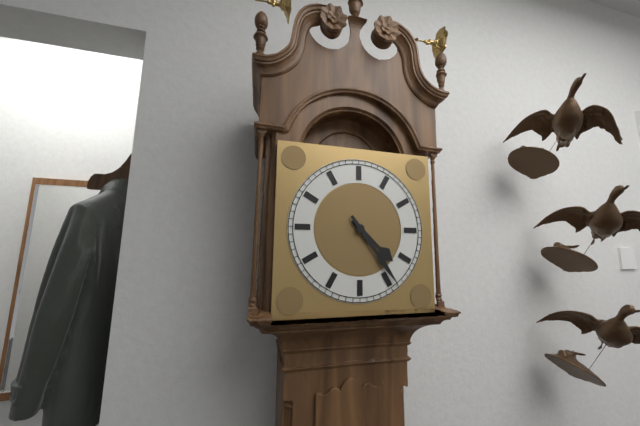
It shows 4h24
